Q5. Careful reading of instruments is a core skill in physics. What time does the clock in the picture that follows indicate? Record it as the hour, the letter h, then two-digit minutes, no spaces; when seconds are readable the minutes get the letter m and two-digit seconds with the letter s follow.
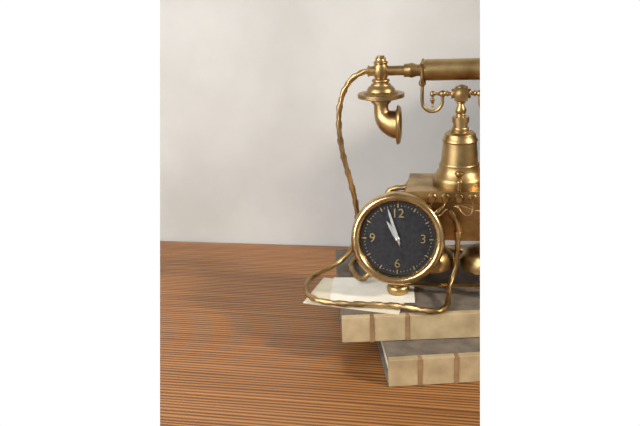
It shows 10h57
